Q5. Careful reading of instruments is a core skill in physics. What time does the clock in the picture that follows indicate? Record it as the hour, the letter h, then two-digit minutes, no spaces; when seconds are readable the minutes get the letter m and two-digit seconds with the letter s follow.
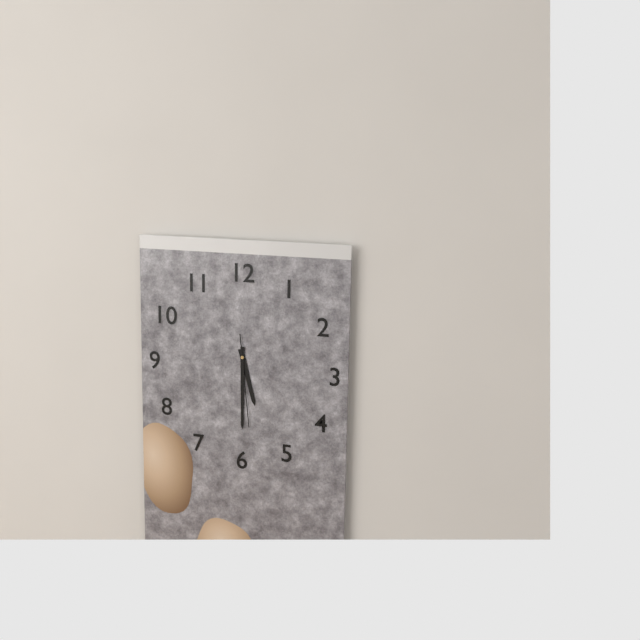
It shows 5h30m29s
